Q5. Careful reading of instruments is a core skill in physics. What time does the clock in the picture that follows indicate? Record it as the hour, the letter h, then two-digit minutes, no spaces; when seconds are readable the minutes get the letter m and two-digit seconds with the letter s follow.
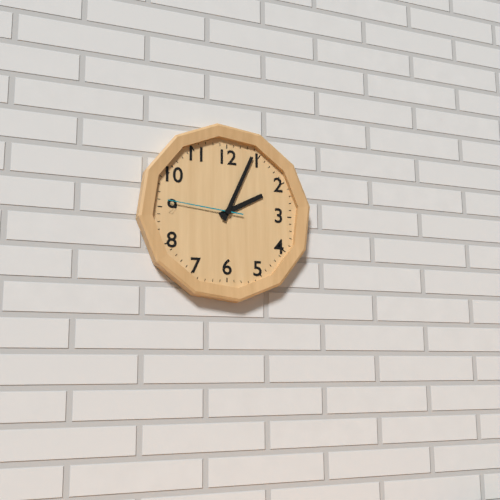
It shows 2h04m46s
